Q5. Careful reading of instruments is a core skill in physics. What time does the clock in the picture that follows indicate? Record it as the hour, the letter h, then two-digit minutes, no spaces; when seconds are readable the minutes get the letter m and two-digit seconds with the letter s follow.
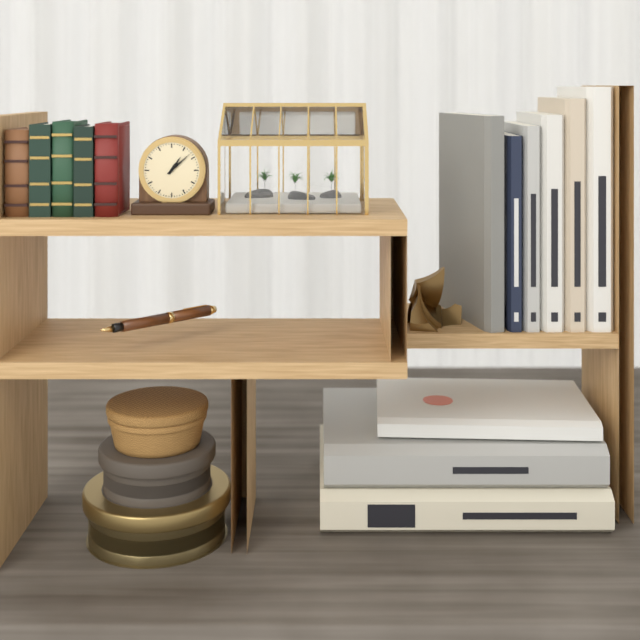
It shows 1h08
